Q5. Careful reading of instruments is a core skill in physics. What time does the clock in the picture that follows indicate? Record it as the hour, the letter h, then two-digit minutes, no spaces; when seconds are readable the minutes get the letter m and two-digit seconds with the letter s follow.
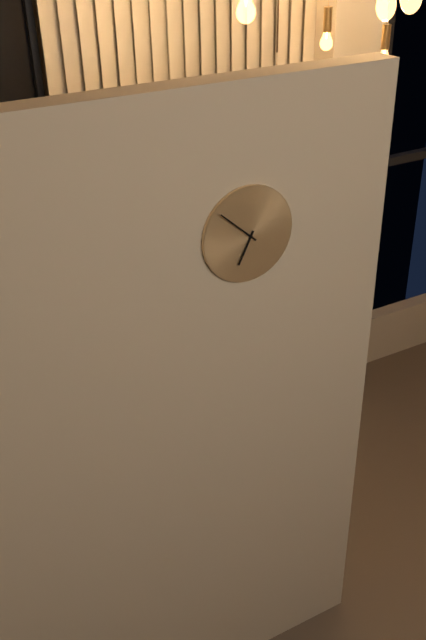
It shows 6h52
